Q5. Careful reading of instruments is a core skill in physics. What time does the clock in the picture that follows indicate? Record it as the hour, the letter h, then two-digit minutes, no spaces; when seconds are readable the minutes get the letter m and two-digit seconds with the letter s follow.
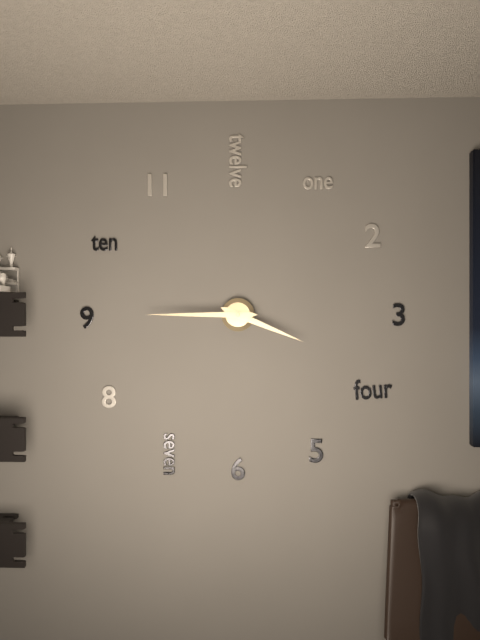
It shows 3h45
